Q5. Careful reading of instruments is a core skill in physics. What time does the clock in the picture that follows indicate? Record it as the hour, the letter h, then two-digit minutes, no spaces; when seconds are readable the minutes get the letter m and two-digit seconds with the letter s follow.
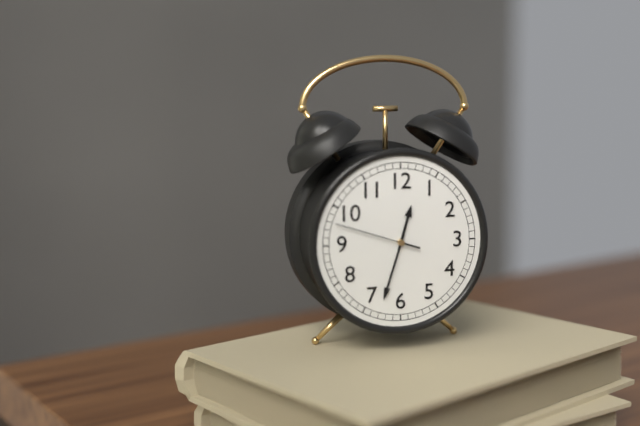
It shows 12h33m48s
